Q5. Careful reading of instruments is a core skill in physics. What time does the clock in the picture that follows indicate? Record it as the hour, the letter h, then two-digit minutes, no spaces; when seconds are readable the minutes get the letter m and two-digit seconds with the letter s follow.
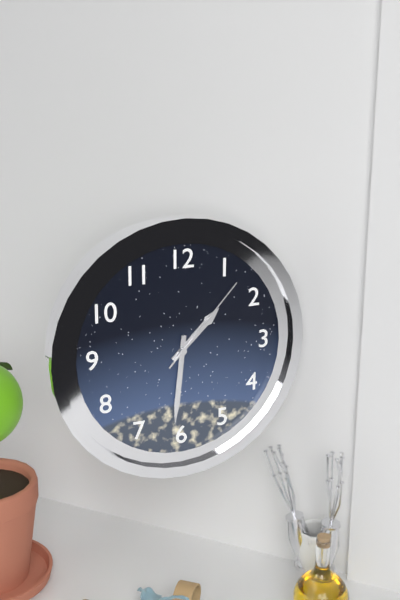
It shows 1h31m07s
